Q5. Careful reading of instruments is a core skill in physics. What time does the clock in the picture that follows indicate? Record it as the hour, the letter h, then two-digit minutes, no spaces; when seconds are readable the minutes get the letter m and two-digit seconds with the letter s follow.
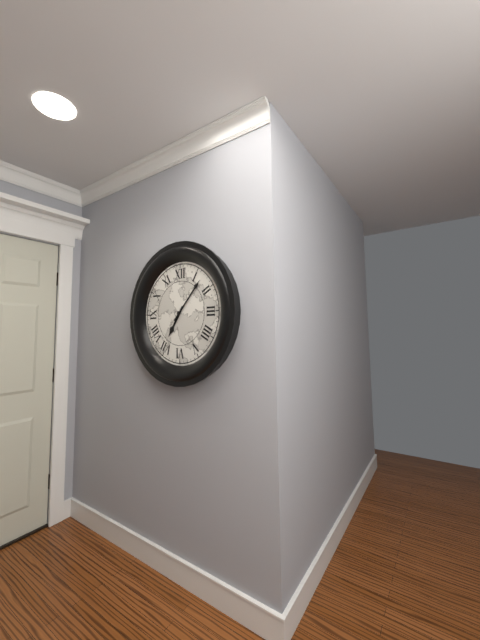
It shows 7h07
